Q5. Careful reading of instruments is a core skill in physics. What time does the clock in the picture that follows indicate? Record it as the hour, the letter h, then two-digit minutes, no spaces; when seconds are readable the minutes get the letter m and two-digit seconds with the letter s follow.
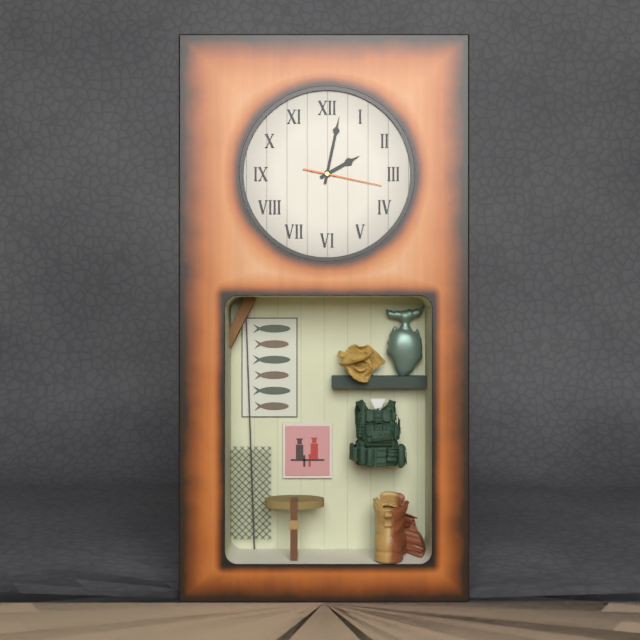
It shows 2h02m17s
